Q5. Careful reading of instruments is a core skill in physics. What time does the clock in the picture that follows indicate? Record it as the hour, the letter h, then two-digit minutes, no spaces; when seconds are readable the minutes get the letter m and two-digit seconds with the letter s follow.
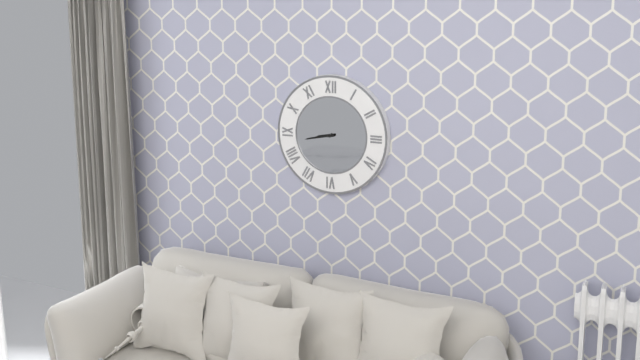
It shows 8h43
